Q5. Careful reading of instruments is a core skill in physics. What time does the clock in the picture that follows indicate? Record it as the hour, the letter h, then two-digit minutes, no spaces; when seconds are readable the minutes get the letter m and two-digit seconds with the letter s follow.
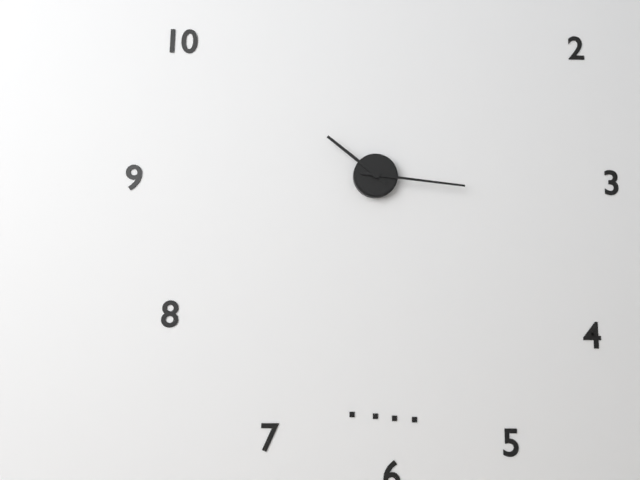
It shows 10h16
